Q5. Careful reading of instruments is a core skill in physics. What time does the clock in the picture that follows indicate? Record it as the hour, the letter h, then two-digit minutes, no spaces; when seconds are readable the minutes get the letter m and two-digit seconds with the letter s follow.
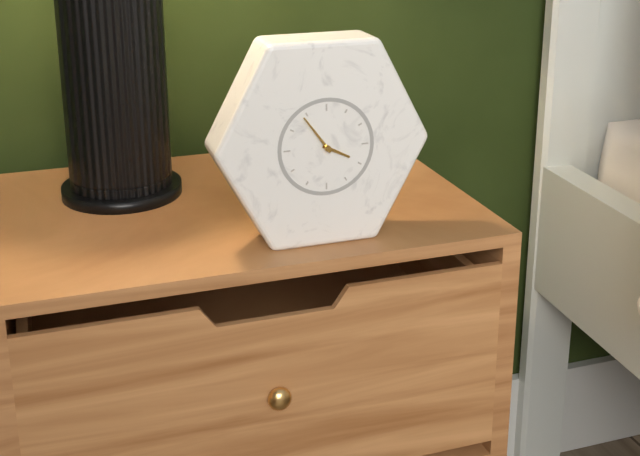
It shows 3h54
